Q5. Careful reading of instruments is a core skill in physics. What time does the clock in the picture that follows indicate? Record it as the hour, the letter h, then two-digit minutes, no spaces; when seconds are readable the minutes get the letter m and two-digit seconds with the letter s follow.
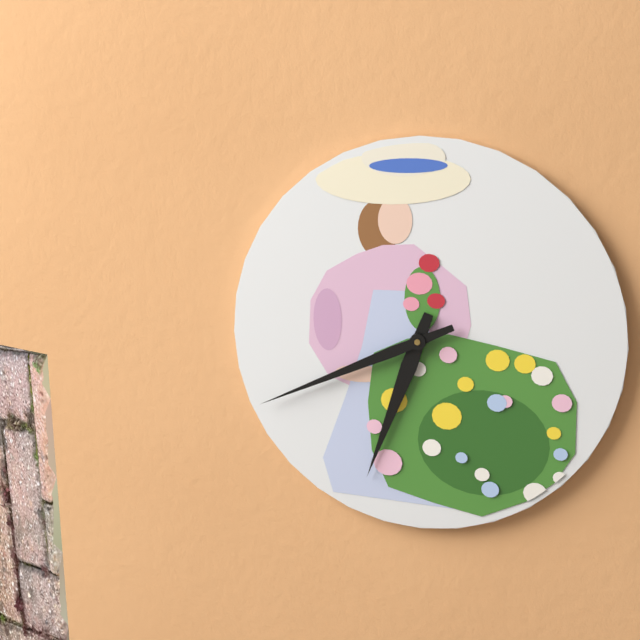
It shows 6h41
